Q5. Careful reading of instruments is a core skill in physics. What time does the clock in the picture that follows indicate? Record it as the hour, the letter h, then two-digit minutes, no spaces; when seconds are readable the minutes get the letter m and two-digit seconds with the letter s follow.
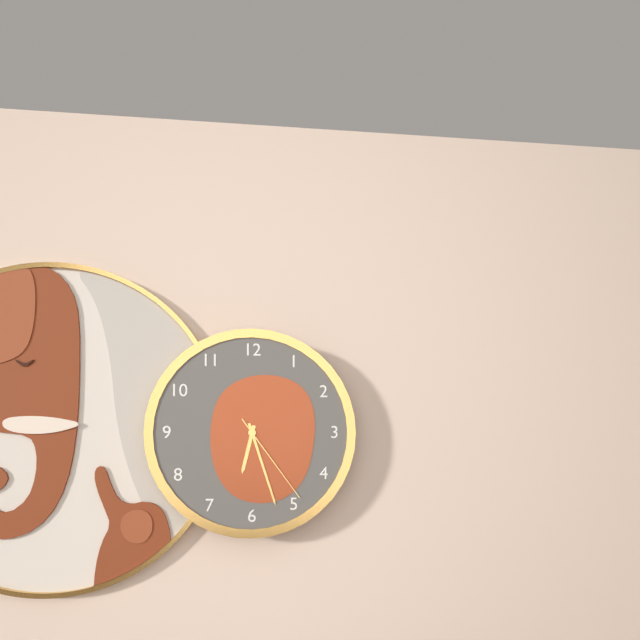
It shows 6h27m24s
